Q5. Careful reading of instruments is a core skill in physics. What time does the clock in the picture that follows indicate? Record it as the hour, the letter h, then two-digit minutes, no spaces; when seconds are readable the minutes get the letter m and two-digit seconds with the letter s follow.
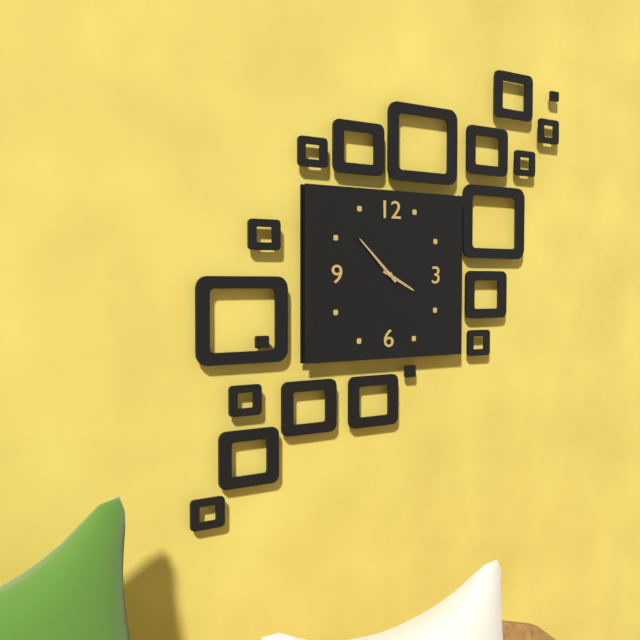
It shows 3h52
